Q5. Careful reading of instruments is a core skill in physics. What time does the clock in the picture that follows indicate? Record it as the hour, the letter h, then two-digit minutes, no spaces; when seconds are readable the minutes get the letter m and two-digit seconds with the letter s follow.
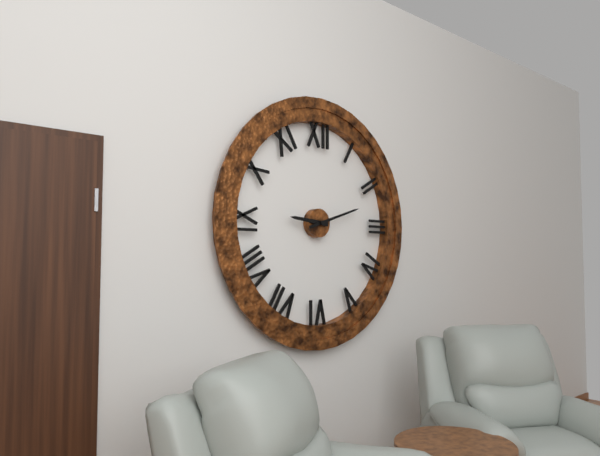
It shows 9h12
